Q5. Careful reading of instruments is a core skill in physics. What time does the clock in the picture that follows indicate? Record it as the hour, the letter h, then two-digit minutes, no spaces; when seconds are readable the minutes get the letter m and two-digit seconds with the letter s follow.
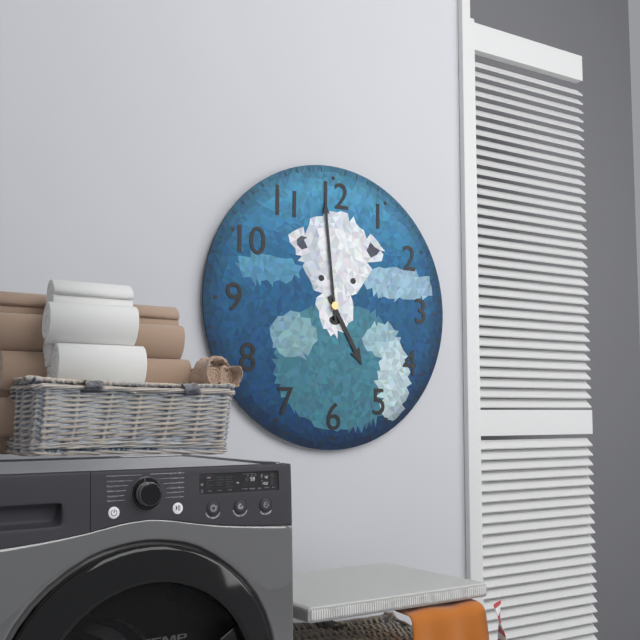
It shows 4h59
